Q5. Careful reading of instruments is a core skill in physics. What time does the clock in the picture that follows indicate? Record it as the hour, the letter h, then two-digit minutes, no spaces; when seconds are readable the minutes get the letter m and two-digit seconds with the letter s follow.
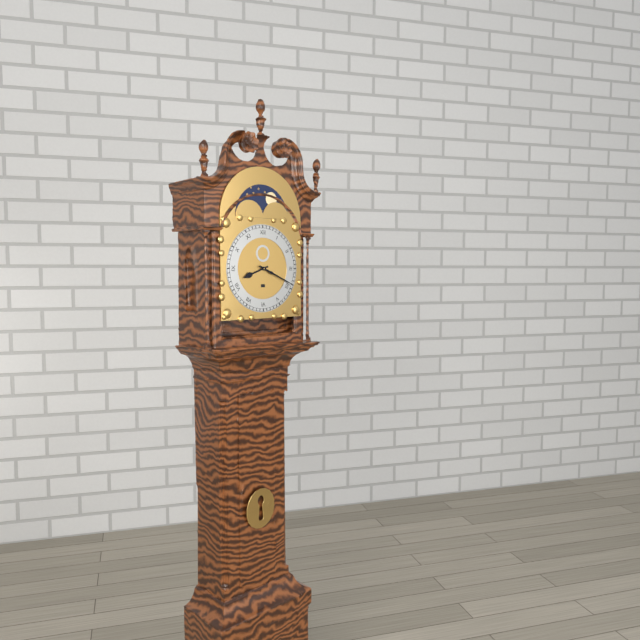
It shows 8h19
